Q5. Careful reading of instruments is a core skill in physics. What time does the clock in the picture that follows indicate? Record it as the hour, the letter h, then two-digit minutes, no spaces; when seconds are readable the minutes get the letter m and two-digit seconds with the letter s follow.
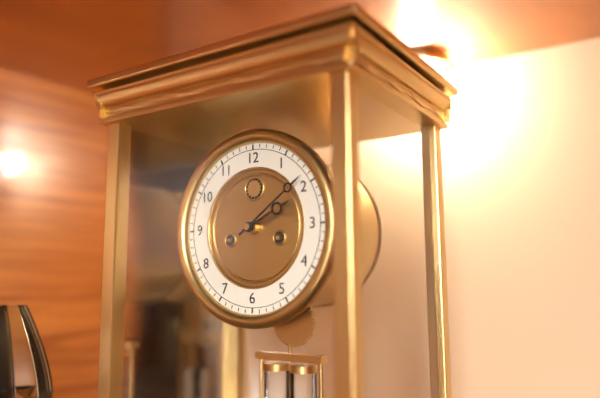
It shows 2h09
